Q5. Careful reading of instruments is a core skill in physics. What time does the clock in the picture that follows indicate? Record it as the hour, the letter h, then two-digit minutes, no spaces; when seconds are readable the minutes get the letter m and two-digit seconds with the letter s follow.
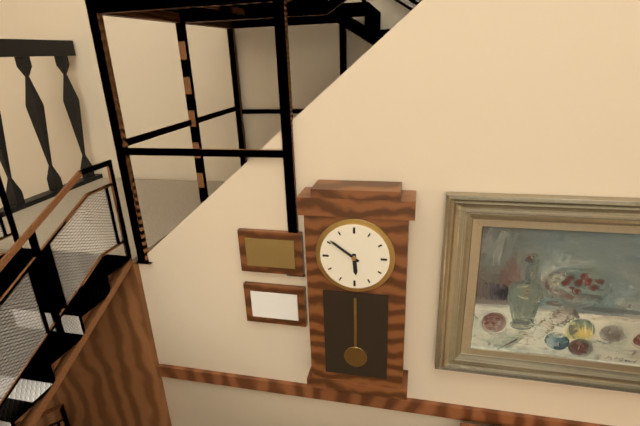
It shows 5h51
